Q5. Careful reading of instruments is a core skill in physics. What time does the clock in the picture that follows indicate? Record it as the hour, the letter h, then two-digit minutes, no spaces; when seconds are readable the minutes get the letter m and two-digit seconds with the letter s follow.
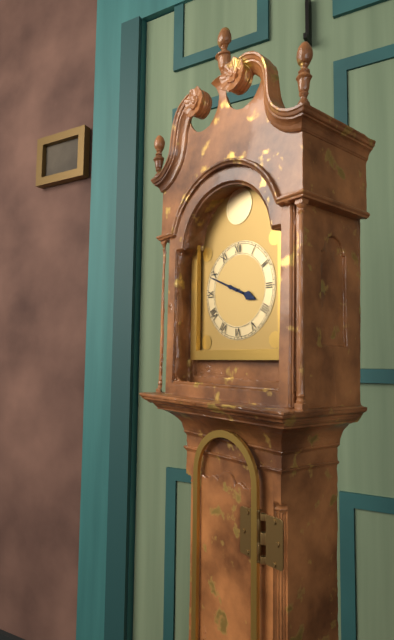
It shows 3h49
